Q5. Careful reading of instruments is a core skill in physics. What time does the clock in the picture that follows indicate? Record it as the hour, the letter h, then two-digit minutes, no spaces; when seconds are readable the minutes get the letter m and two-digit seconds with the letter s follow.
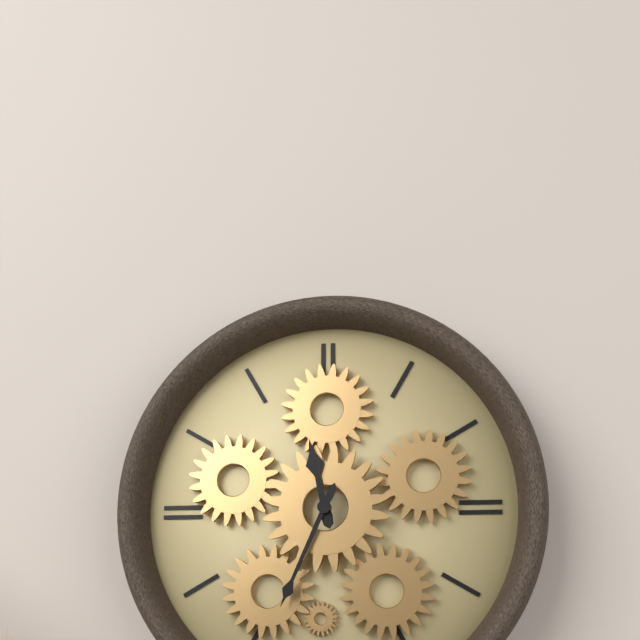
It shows 11h34
